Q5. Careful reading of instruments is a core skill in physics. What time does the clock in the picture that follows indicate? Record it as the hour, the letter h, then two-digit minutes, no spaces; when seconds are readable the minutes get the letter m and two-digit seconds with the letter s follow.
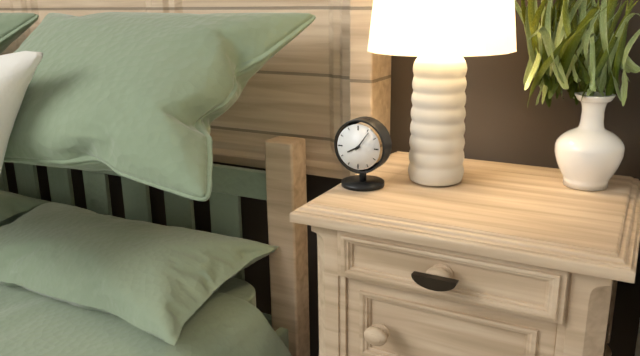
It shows 8h06
